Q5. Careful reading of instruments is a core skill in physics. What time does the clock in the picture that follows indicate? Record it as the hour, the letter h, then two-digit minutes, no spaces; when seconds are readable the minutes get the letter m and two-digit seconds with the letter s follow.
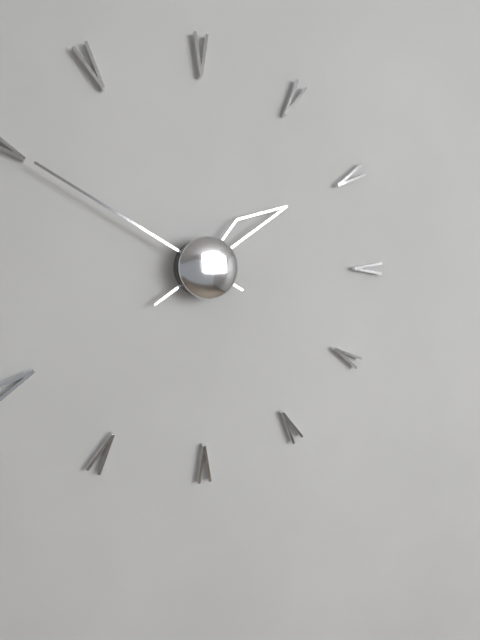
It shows 1h50
